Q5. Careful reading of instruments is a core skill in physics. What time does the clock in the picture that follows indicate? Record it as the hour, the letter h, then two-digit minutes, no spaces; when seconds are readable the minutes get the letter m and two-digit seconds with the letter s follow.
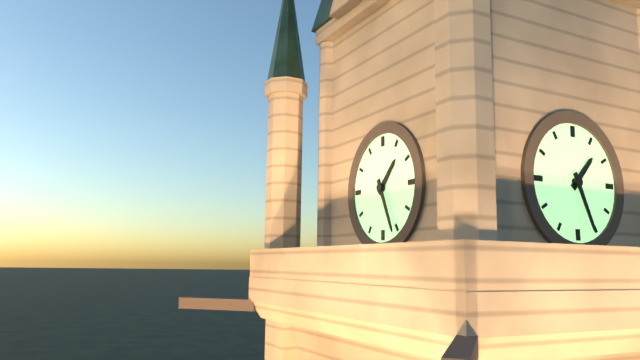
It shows 1h26
